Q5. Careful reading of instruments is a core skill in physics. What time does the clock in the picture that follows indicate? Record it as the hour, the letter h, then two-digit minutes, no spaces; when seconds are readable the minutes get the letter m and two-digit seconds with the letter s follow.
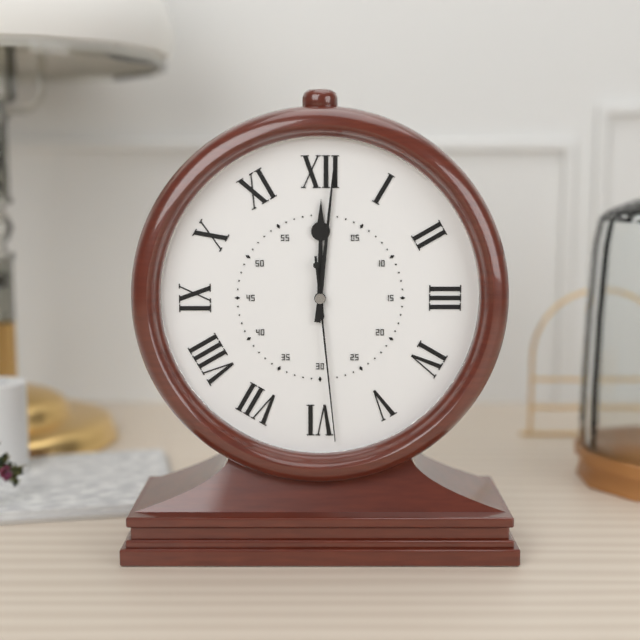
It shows 12h01m29s
